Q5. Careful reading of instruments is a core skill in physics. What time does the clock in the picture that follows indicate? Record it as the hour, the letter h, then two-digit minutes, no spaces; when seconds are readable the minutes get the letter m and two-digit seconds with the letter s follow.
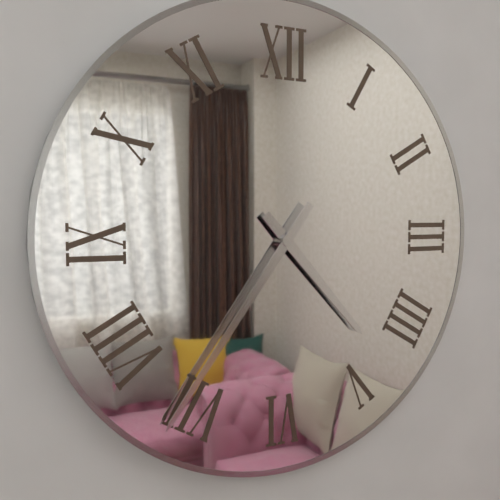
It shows 4h36
